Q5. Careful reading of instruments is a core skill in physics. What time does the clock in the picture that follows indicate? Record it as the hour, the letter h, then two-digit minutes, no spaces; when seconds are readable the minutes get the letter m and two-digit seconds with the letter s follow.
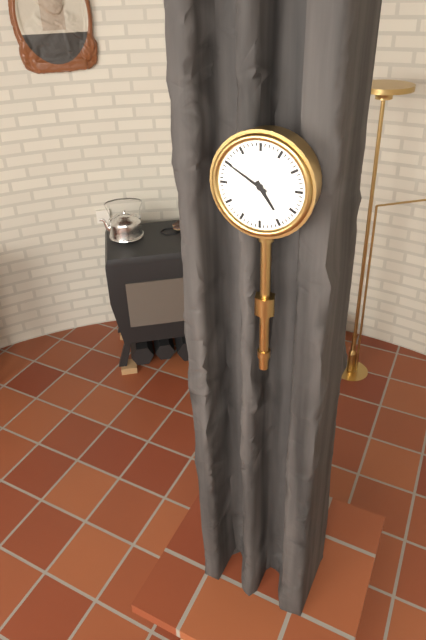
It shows 4h50
